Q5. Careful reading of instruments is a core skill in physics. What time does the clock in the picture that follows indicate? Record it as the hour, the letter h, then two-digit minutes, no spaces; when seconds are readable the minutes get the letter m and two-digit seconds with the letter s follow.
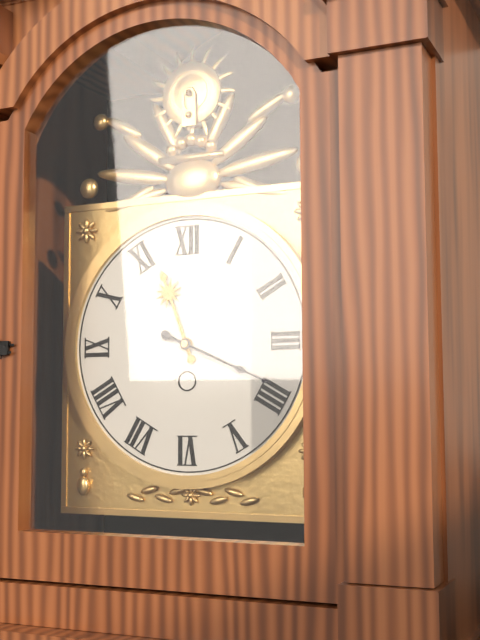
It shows 11h19
